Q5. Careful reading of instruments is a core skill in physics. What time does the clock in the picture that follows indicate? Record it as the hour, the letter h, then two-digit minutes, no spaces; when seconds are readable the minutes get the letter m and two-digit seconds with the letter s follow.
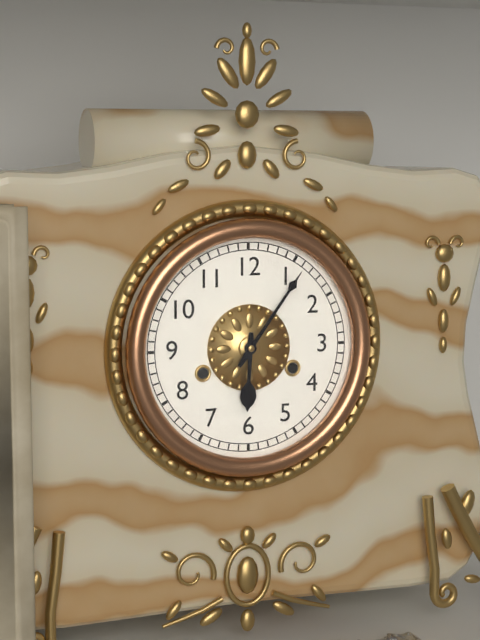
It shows 6h06
